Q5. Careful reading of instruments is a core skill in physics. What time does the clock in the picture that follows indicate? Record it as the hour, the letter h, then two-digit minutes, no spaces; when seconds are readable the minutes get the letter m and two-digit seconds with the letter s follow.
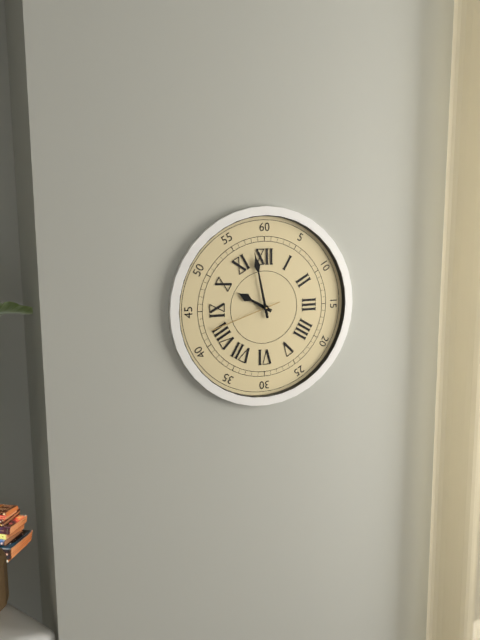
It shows 9h58m42s
